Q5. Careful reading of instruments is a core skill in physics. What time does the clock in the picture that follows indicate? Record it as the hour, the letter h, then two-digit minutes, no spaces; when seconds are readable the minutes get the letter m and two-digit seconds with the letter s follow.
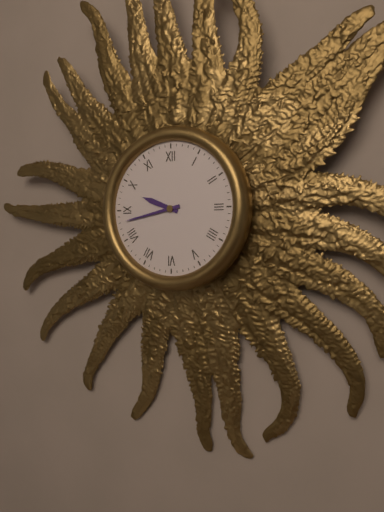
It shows 9h43
